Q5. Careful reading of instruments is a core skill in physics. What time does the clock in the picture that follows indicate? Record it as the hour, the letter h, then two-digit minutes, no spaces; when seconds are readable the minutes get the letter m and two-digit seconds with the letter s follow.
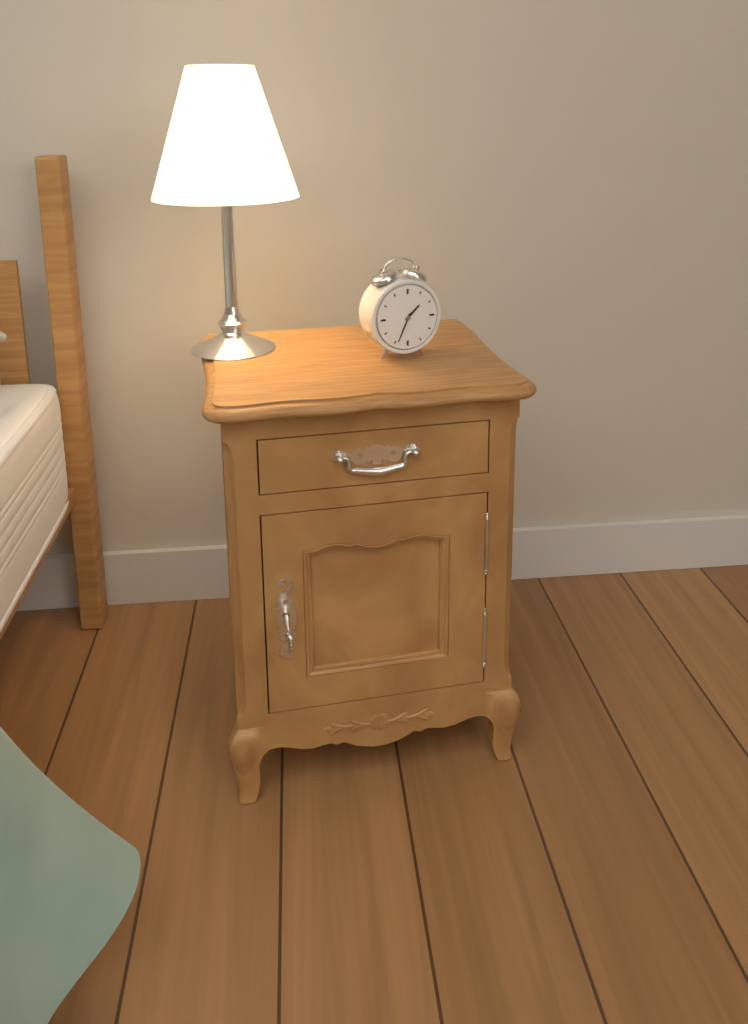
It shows 1h34
